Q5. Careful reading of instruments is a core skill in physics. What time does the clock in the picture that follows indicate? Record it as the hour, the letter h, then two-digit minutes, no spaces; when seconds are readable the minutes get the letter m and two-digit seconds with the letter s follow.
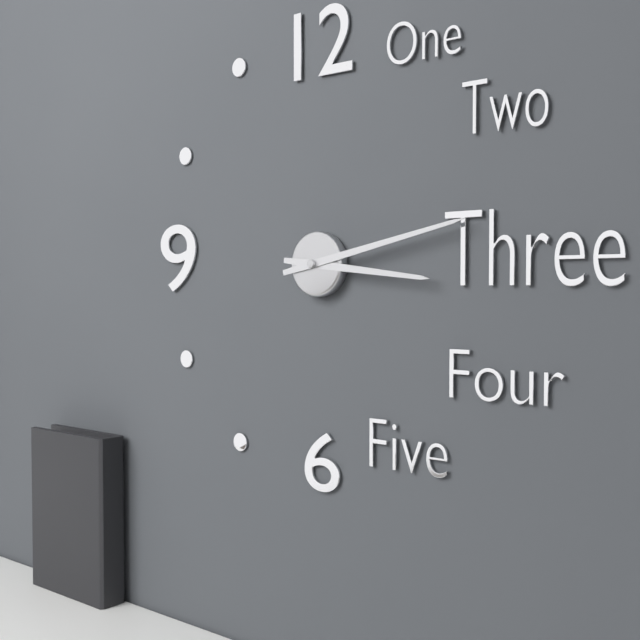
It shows 3h13
